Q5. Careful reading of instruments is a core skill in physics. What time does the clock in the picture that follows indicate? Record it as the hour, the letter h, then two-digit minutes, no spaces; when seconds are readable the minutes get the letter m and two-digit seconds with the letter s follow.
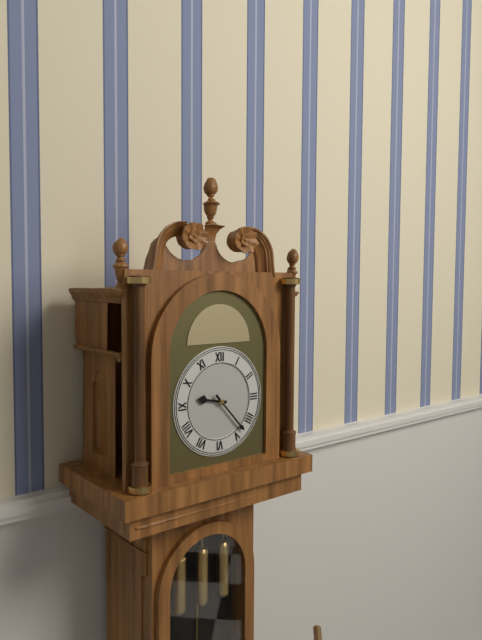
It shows 9h23
